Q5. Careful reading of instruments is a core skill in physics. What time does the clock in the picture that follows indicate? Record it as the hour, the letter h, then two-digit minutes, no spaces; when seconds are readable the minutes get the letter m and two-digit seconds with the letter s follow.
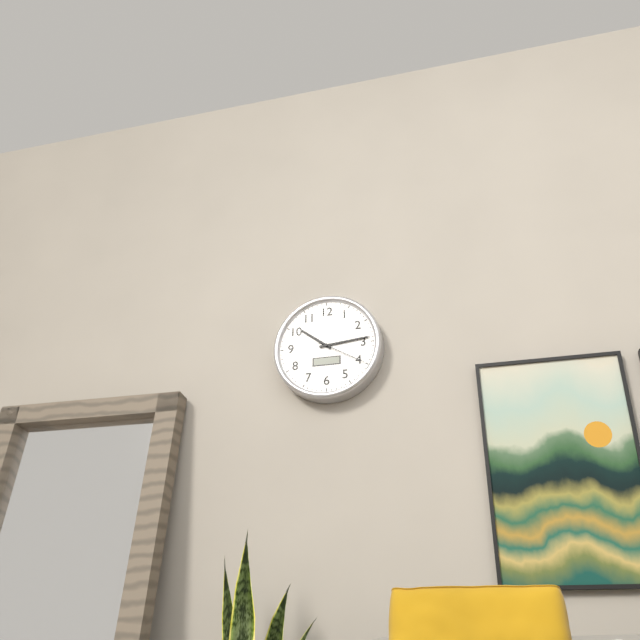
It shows 10h14m20s
